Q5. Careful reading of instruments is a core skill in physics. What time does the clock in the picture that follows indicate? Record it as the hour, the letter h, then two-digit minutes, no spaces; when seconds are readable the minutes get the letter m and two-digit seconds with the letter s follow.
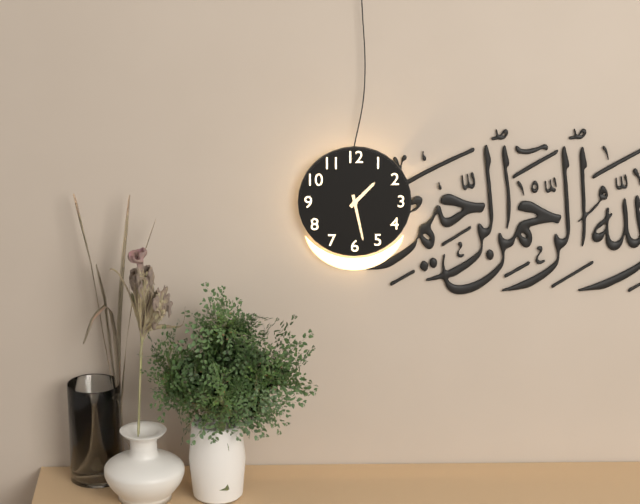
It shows 1h28
